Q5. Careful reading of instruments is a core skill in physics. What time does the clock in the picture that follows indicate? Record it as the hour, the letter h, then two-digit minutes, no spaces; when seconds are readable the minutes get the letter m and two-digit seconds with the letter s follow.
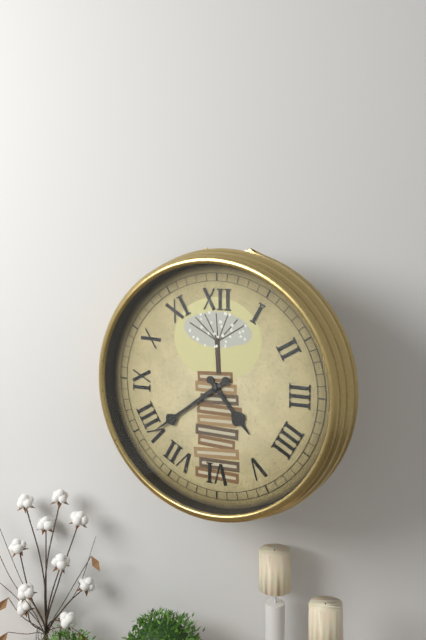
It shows 4h39
